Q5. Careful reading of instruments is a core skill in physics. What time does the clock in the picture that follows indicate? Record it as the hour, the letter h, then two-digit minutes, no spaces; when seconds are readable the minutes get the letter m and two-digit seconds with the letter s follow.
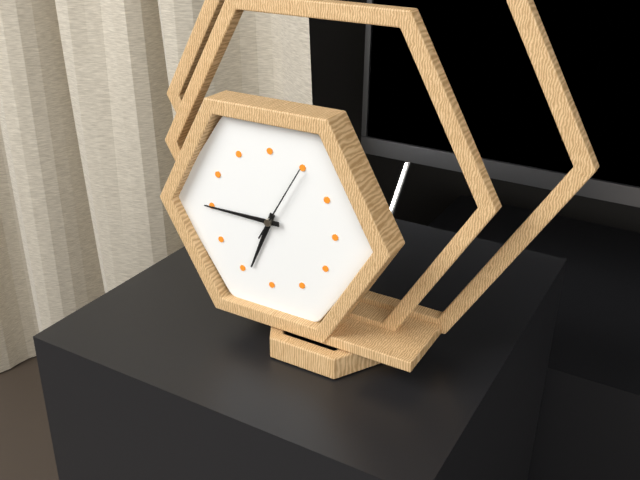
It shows 6h45
